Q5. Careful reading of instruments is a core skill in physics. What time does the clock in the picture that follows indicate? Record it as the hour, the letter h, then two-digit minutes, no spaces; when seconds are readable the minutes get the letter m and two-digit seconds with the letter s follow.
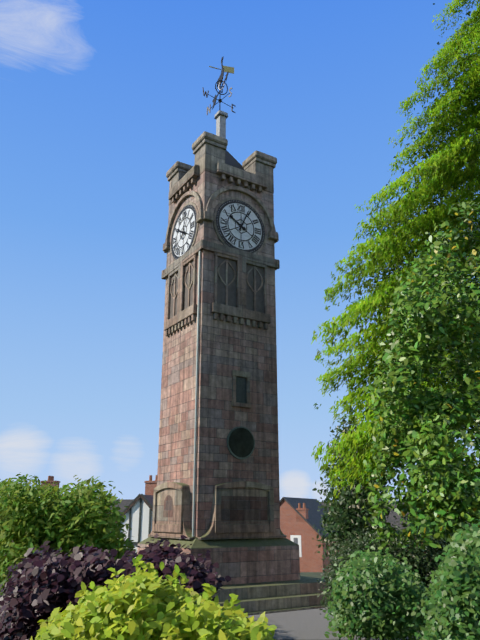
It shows 10h04
